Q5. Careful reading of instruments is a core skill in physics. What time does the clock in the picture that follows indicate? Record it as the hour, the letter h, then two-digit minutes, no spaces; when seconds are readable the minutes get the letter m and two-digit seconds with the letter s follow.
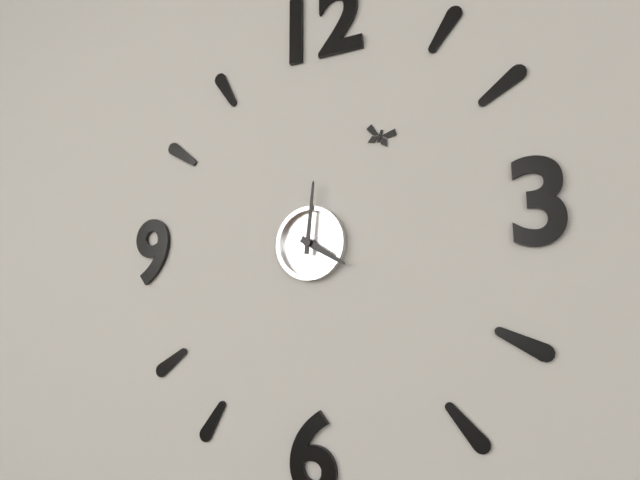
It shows 4h01
